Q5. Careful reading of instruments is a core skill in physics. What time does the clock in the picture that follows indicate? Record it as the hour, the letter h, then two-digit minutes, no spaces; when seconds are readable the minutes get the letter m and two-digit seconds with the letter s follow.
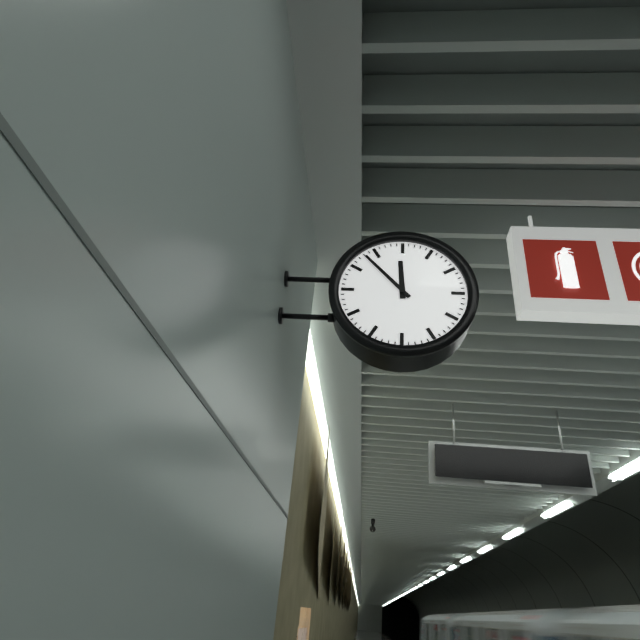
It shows 11h53
